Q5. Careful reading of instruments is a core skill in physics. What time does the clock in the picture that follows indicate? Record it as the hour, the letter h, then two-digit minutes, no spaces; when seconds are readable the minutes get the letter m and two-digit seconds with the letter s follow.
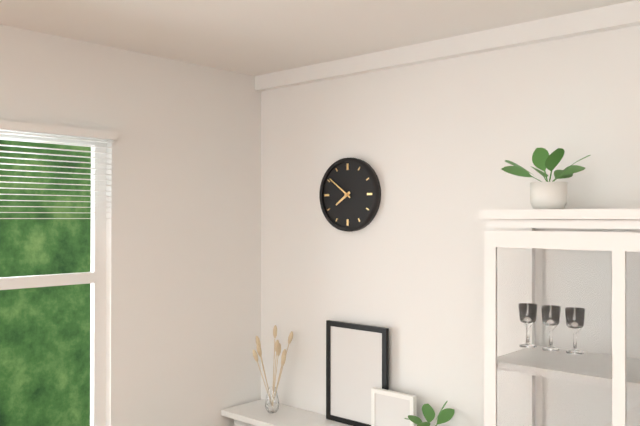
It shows 7h51
